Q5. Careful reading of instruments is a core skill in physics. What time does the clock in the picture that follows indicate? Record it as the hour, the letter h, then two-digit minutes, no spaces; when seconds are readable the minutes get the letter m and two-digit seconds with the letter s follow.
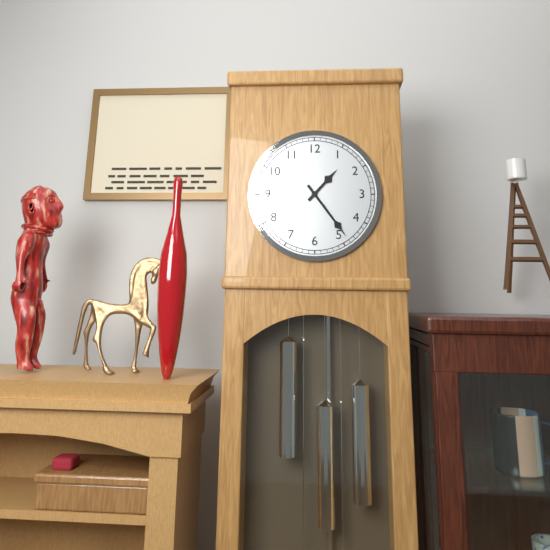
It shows 1h24
